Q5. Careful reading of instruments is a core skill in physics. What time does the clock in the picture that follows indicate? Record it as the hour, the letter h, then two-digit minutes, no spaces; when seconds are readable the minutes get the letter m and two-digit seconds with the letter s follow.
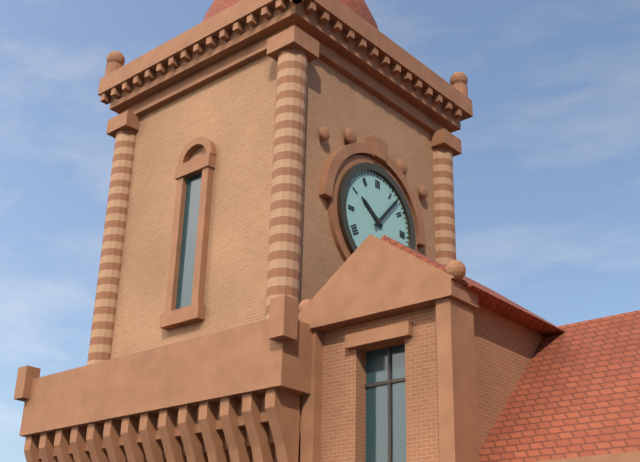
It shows 10h07
